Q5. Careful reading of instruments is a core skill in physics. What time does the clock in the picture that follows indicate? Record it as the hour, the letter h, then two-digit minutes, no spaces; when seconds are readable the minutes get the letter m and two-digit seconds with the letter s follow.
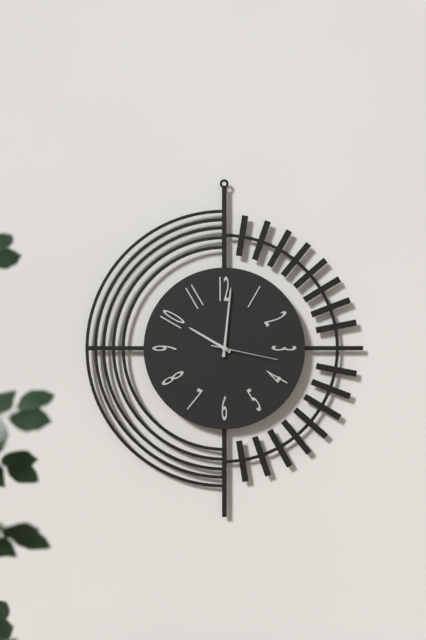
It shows 10h01m17s
